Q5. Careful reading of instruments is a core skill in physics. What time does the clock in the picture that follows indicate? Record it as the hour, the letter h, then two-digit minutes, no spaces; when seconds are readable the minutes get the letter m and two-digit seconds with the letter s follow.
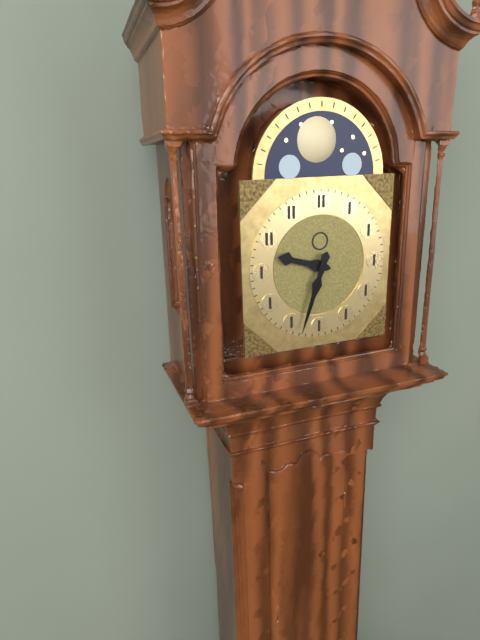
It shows 9h33
